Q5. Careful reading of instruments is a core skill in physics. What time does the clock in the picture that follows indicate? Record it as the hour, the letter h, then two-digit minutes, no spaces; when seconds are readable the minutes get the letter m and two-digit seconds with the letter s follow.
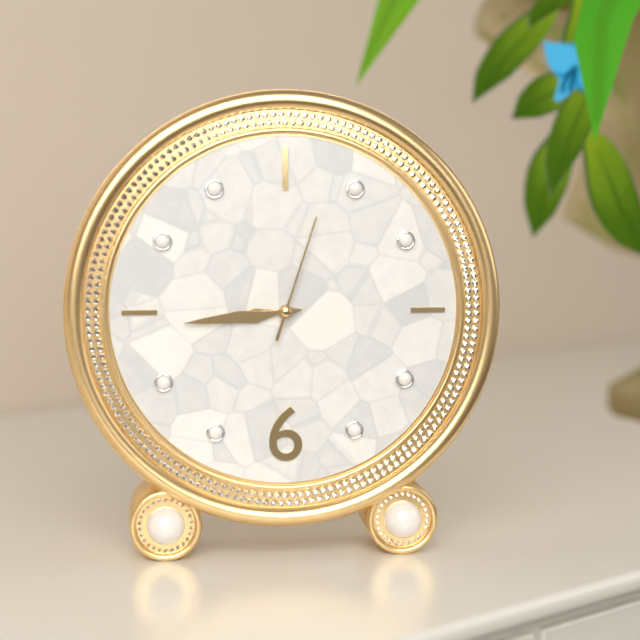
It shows 8h44m03s
